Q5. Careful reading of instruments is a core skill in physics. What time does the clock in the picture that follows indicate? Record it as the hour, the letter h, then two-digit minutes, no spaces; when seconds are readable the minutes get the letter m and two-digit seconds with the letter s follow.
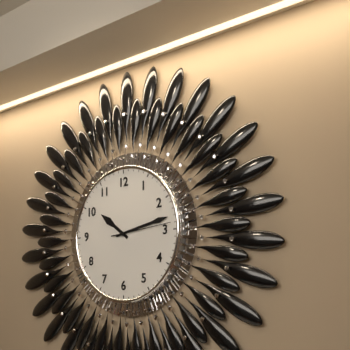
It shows 10h13m14s
